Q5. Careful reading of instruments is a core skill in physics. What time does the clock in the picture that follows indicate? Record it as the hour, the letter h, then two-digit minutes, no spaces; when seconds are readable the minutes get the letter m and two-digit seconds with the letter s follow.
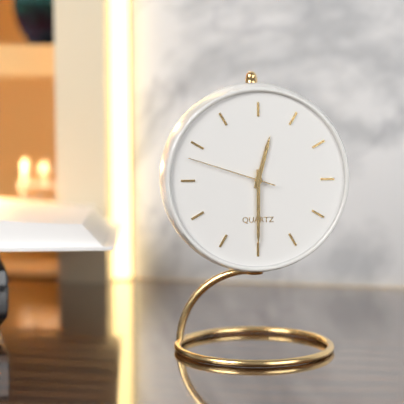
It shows 12h30m48s
